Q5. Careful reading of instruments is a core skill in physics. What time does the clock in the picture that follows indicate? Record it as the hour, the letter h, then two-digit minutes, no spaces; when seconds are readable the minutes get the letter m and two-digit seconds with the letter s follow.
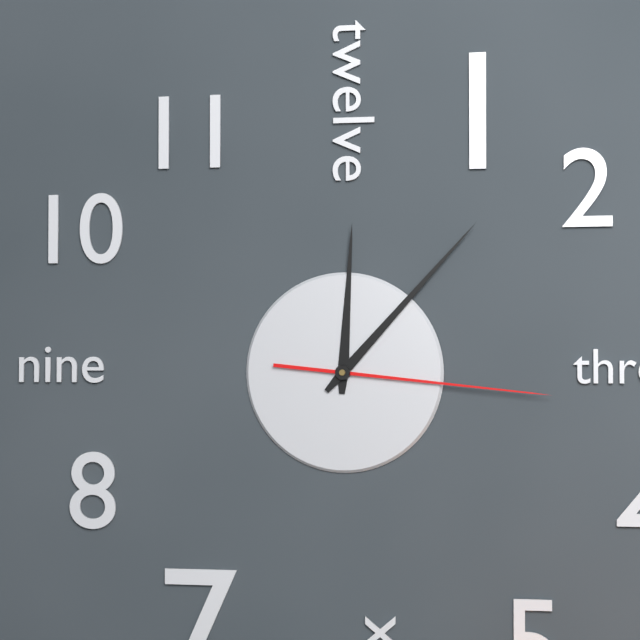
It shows 12h07m16s
